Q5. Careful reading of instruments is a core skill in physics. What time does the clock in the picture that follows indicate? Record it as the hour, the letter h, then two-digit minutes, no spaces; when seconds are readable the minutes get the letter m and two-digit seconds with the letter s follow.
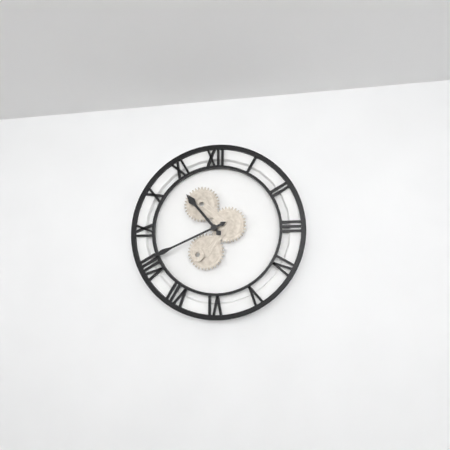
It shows 10h41
